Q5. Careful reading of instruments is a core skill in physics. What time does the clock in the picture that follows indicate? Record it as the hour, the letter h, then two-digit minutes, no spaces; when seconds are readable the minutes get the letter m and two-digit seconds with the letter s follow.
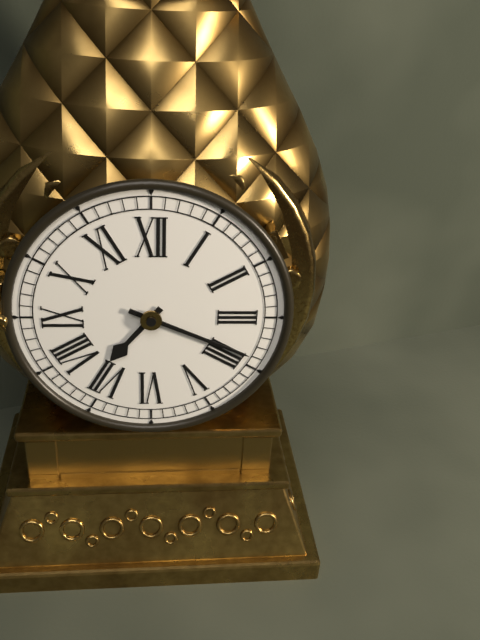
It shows 7h19
